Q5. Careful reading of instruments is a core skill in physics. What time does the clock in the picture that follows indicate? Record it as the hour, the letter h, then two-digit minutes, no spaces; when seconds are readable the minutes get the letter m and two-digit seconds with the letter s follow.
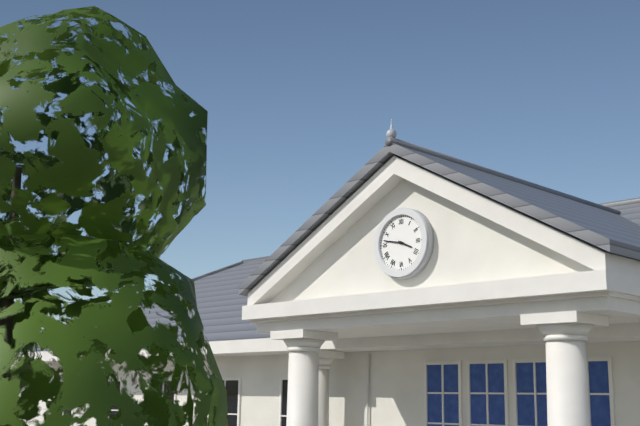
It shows 3h47
